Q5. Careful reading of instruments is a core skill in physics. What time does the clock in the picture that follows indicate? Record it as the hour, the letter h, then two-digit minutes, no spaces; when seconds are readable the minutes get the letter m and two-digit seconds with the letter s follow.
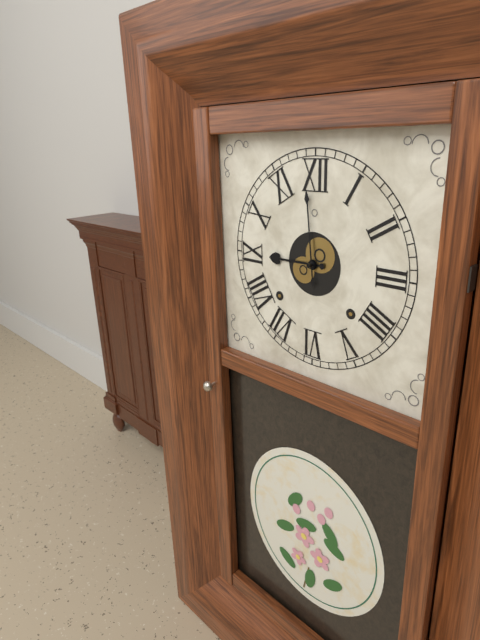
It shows 8h59
